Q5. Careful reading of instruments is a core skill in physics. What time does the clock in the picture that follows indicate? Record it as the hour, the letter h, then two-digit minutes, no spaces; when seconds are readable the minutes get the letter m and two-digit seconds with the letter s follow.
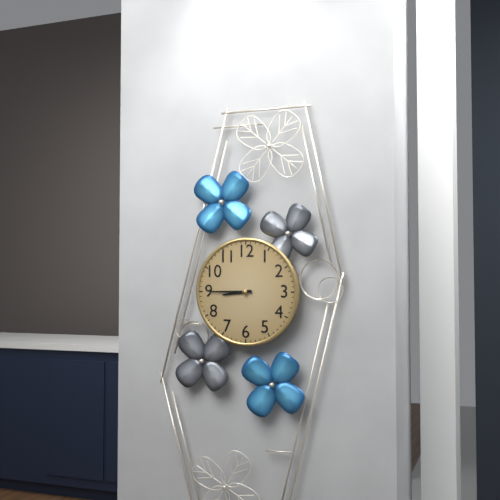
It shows 8h45
